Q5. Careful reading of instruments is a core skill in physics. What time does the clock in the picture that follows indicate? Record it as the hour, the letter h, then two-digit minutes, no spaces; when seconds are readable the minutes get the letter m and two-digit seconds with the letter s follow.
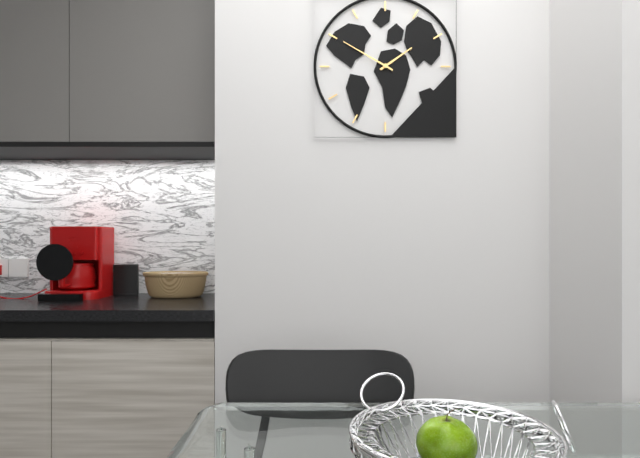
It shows 1h50
